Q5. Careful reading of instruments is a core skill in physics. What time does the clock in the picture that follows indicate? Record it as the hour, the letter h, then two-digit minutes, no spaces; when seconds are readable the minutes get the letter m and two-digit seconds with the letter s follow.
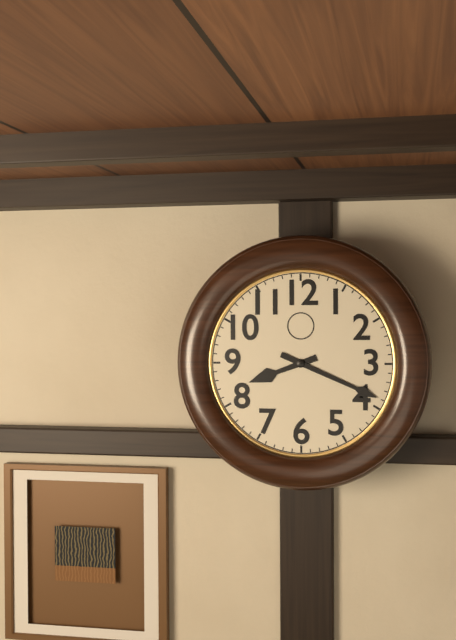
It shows 8h19
